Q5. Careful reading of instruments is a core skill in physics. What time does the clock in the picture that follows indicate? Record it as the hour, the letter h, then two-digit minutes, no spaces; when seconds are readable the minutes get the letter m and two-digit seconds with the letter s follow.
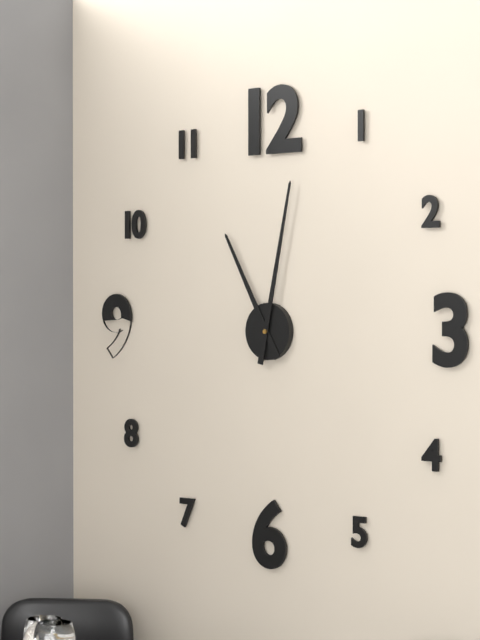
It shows 11h02
